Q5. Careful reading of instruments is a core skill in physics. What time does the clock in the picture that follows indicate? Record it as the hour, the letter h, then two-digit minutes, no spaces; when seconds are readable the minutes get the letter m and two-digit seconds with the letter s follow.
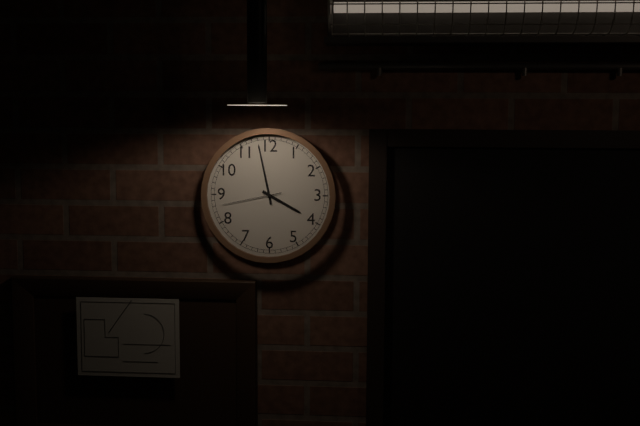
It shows 3h58m43s
